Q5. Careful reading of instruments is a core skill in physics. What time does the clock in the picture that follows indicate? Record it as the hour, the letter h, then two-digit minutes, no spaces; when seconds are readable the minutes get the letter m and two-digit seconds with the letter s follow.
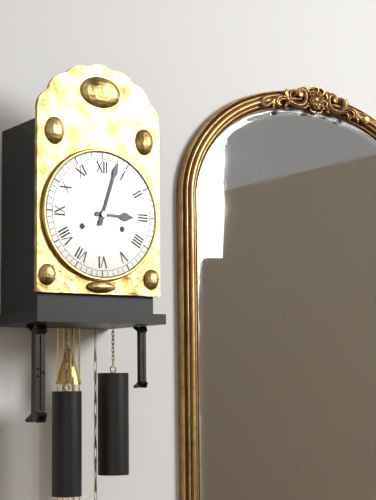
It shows 3h03
